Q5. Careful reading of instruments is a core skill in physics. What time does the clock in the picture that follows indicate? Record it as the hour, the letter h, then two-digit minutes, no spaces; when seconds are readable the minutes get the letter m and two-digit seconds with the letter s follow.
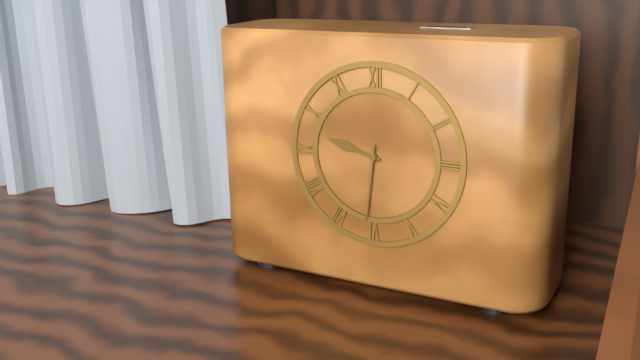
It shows 9h31
